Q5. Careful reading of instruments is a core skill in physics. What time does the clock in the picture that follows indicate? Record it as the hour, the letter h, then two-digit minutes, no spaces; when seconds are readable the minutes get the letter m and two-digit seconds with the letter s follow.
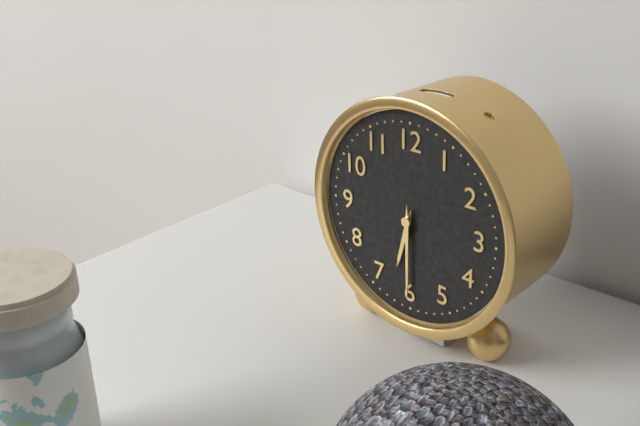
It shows 6h30
